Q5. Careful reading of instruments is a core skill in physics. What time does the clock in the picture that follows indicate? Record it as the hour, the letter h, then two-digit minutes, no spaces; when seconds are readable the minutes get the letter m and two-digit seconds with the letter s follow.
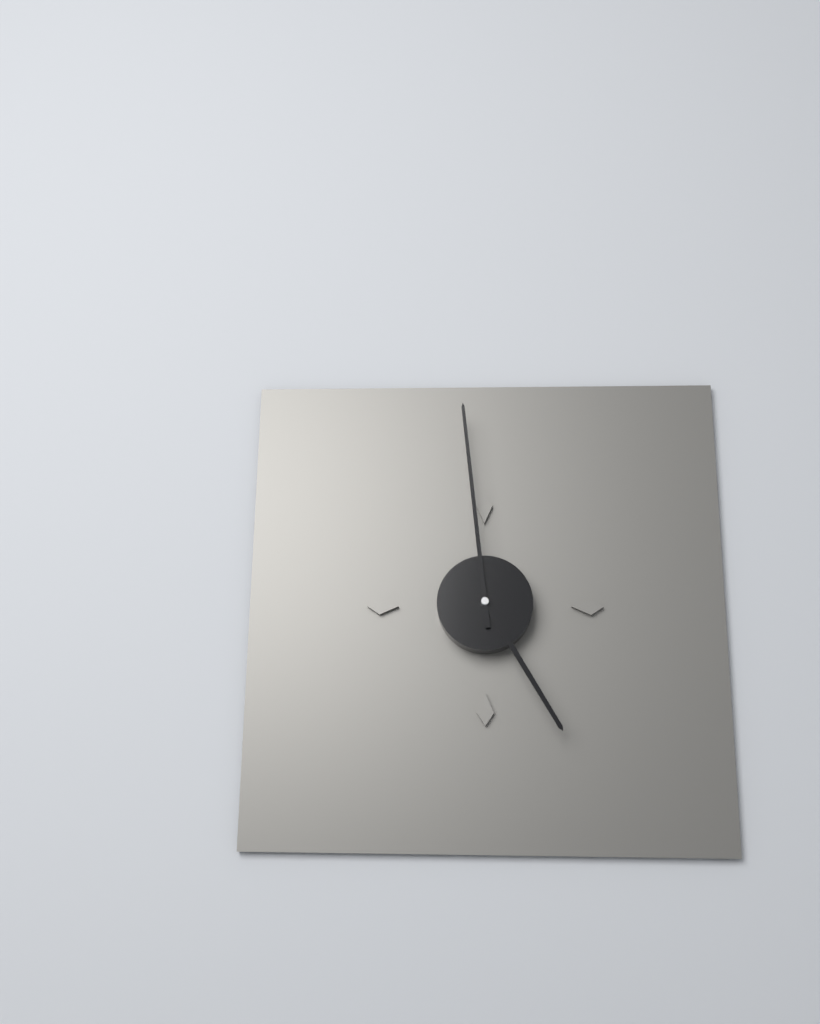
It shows 4h59
